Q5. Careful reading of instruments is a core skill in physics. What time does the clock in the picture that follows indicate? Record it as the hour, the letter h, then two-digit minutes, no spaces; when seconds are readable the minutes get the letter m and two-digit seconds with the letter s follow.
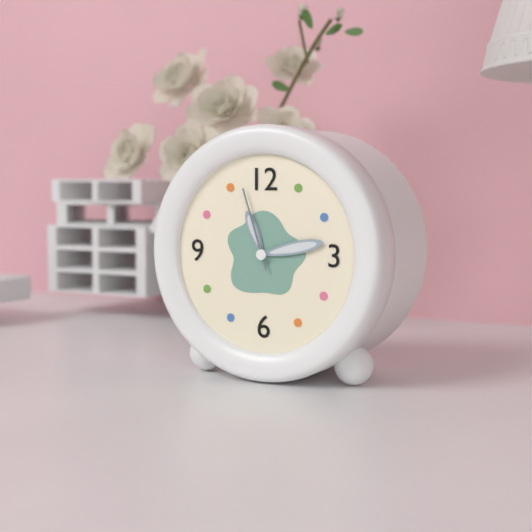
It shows 11h13m57s
